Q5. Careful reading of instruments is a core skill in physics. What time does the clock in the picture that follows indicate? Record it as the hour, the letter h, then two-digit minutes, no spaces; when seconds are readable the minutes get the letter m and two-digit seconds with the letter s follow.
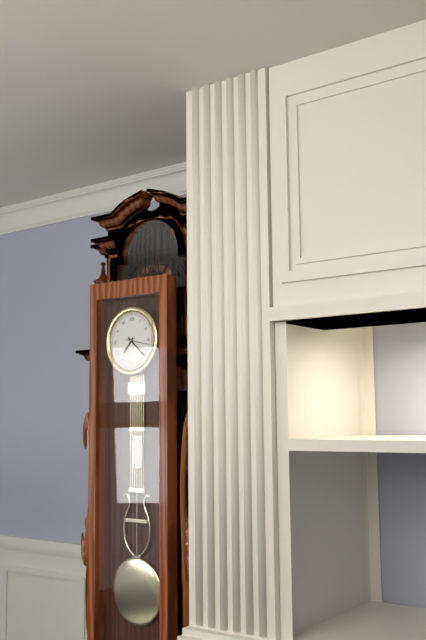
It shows 7h22
